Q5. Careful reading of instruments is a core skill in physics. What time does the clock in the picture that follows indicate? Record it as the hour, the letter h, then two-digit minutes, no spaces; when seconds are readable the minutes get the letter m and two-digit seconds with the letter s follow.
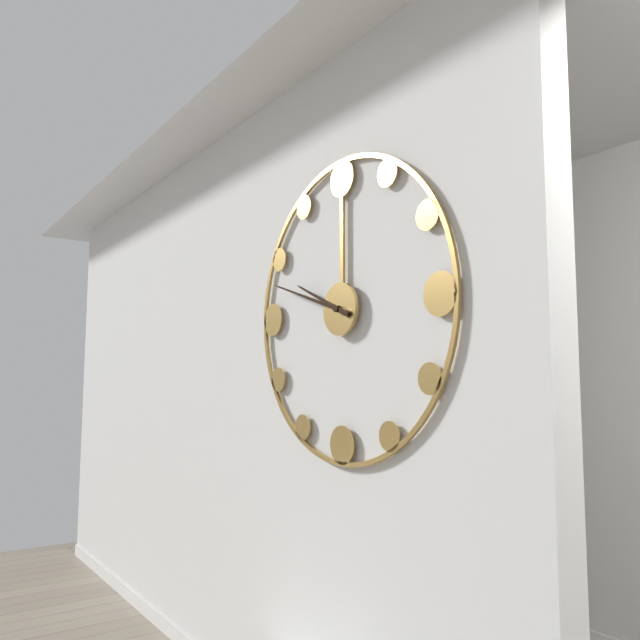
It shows 9h48
